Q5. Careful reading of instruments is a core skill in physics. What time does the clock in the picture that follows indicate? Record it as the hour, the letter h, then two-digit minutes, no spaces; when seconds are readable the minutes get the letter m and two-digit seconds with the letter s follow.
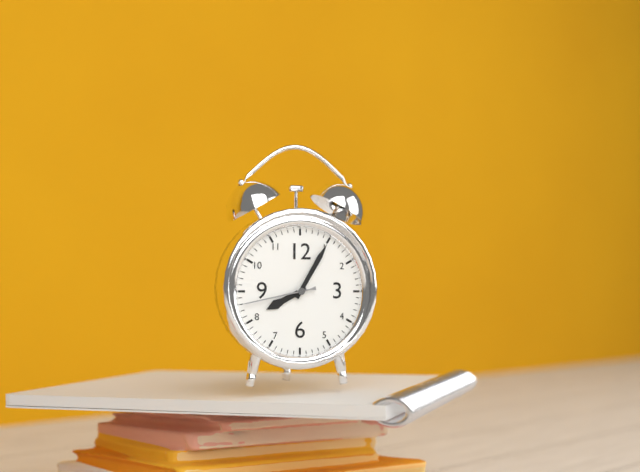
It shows 8h05m43s
